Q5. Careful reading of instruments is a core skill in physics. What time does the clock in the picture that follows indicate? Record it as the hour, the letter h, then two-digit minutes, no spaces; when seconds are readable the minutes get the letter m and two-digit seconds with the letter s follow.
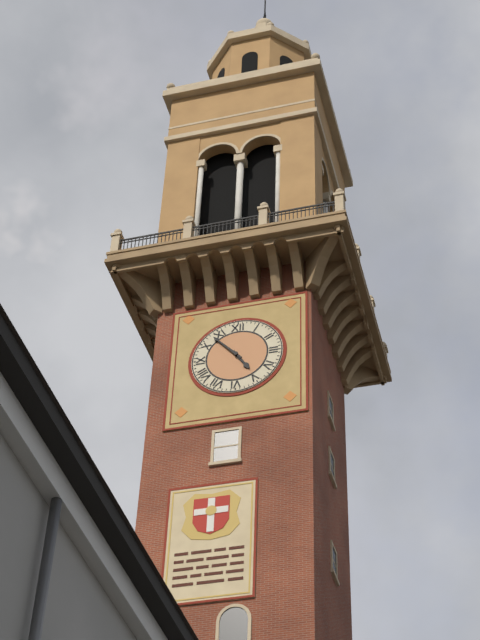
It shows 4h53
